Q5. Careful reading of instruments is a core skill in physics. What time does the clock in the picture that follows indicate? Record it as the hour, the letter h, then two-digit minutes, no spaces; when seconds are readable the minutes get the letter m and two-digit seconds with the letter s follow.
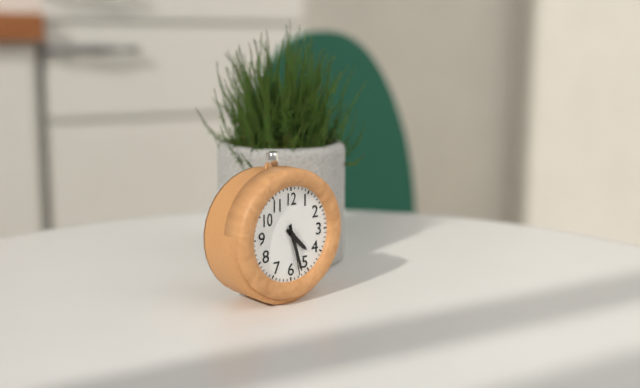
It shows 4h27m28s
